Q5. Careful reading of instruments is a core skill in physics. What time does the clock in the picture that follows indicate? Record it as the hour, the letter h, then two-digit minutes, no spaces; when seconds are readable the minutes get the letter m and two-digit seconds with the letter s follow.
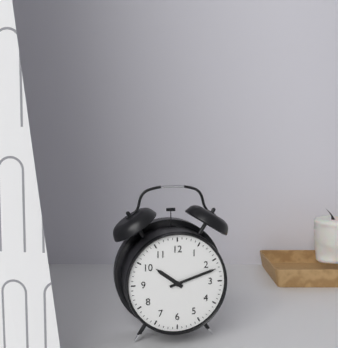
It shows 10h12
